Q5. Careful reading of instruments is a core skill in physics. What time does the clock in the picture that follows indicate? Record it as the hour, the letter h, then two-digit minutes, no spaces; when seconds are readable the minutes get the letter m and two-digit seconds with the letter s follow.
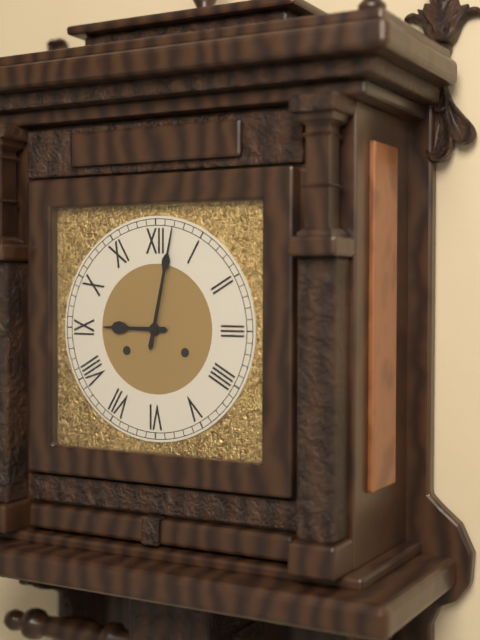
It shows 9h02
